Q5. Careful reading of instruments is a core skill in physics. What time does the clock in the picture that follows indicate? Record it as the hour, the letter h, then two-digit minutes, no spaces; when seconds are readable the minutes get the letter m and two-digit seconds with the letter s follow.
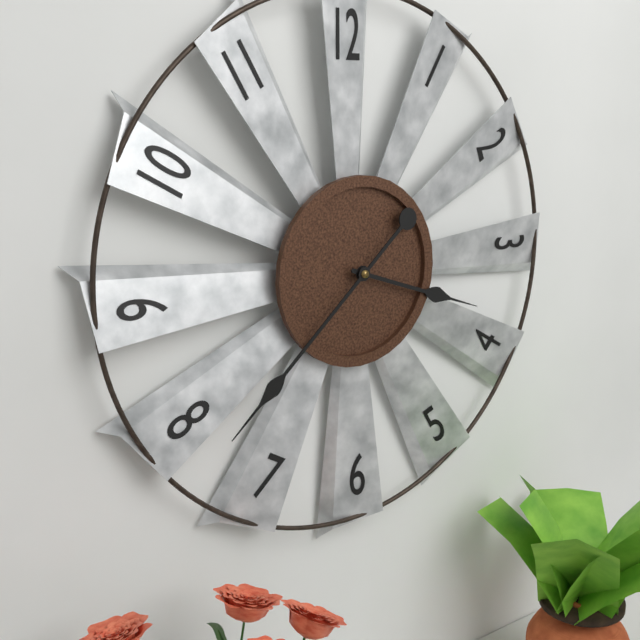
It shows 3h38
